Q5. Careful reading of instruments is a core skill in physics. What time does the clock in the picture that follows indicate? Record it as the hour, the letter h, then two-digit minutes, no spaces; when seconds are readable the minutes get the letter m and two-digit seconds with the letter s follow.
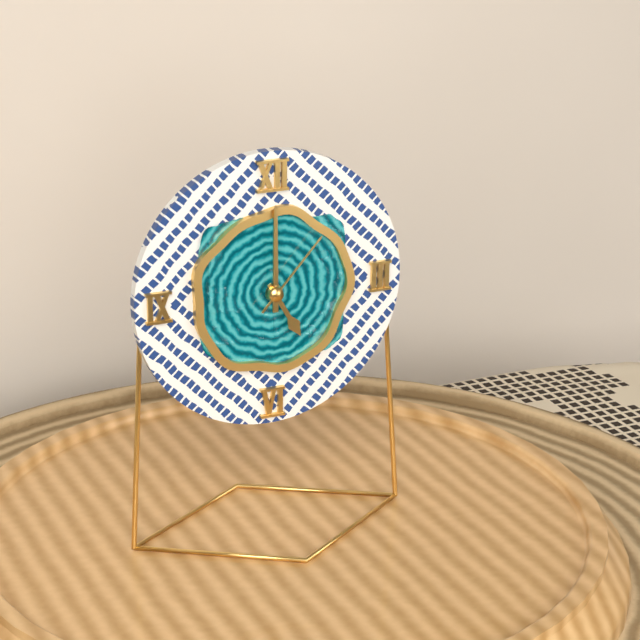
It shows 5h00m07s
